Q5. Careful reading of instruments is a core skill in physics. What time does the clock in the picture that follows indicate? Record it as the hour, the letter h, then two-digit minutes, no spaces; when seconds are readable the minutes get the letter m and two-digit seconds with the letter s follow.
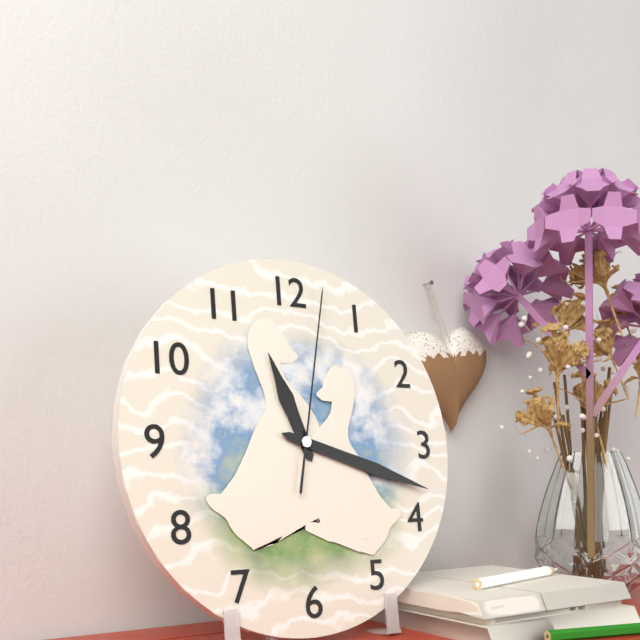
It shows 11h18m02s
